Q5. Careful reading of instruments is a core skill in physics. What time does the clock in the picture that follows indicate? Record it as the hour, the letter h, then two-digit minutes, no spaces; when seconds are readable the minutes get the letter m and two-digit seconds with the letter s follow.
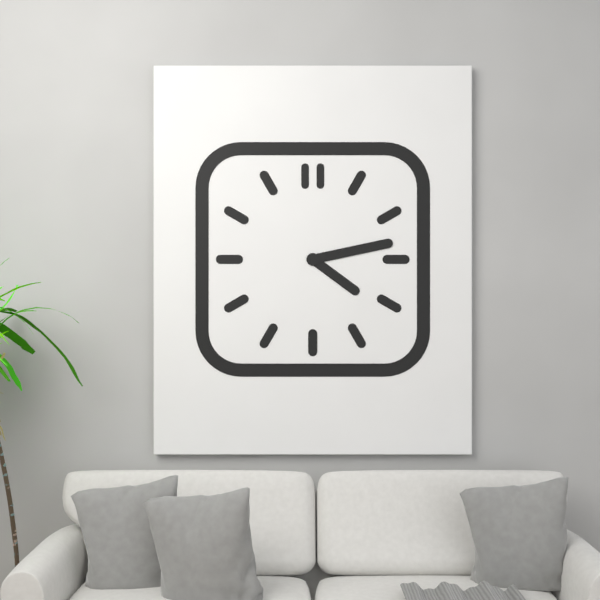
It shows 4h13
